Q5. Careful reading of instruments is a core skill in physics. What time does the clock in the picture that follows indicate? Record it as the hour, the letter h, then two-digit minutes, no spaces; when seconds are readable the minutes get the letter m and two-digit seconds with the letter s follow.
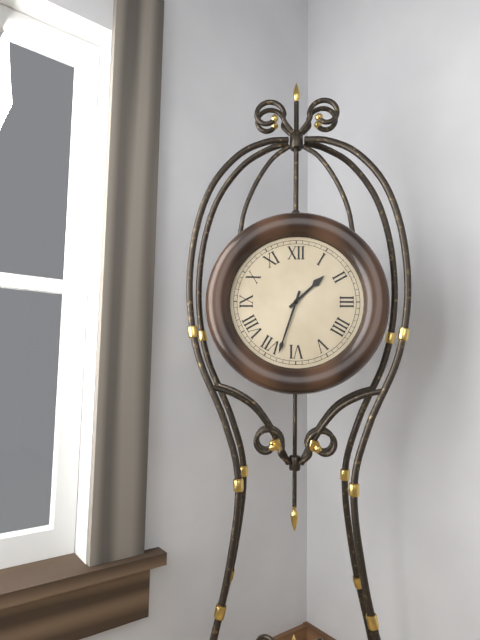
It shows 1h33
